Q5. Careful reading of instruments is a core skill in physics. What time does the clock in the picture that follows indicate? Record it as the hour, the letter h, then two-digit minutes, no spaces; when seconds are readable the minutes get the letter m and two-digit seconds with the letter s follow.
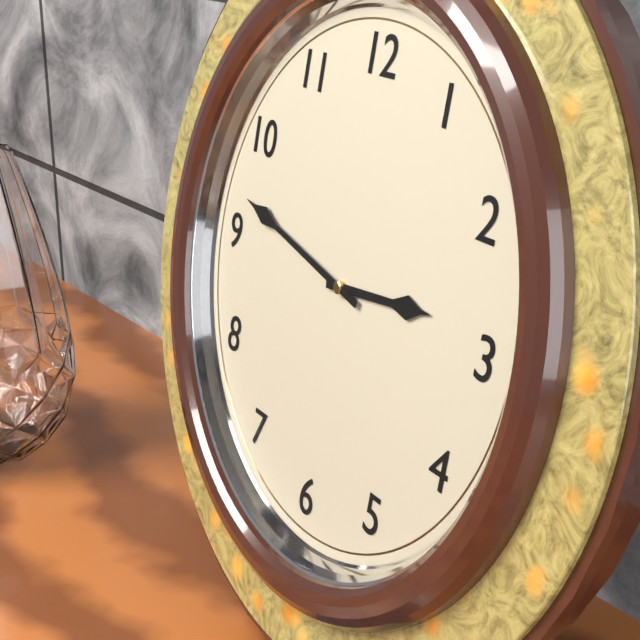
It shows 2h47
